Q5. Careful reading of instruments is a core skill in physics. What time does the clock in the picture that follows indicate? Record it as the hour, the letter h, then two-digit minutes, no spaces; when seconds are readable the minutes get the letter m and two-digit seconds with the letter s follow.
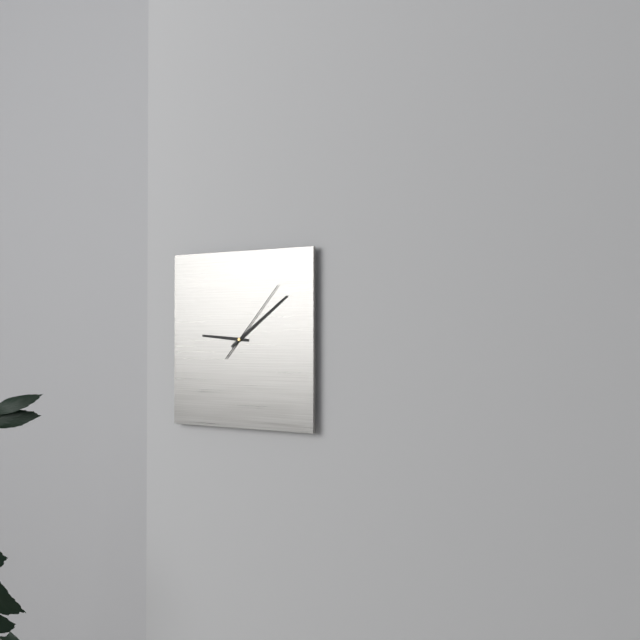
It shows 9h09m07s
